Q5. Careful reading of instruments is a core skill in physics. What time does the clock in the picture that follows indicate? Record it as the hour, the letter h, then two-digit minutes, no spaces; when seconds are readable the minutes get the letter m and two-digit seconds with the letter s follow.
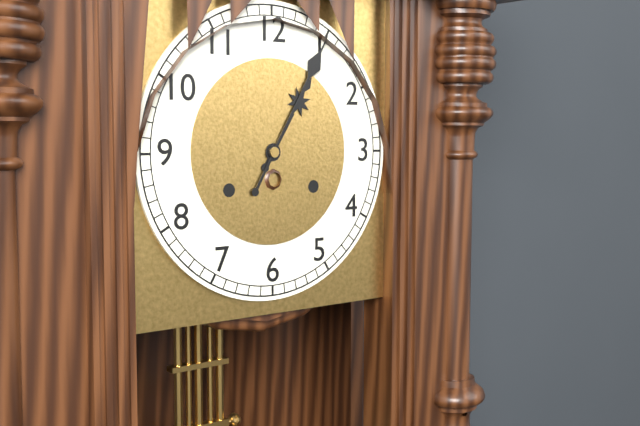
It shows 1h05
